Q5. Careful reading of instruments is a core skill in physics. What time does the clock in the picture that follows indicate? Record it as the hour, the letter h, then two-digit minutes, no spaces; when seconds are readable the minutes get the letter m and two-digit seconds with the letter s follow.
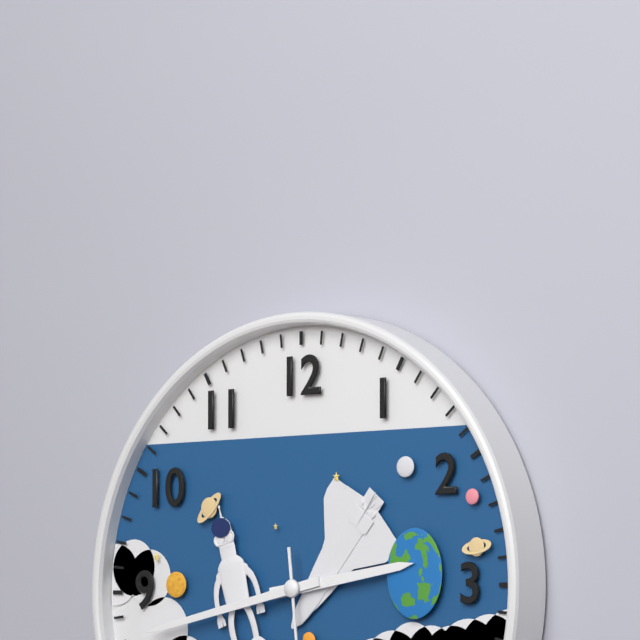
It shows 2h43
